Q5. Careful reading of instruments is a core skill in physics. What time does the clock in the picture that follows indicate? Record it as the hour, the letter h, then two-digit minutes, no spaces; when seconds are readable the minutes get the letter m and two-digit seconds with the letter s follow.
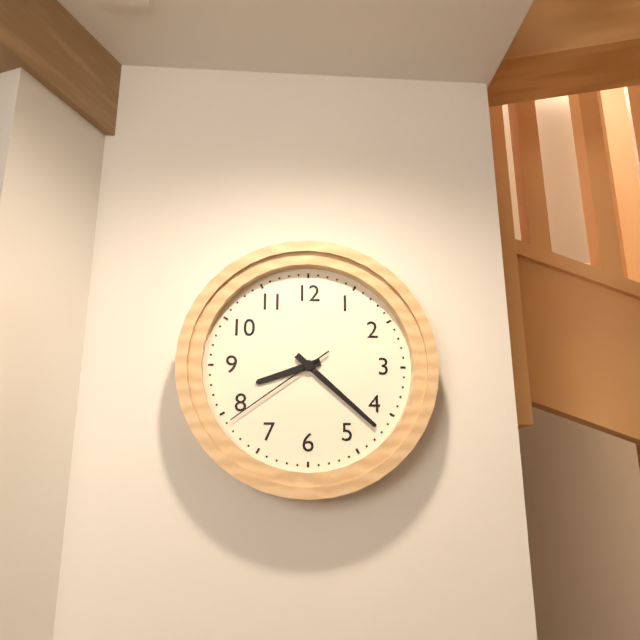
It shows 8h22m39s
